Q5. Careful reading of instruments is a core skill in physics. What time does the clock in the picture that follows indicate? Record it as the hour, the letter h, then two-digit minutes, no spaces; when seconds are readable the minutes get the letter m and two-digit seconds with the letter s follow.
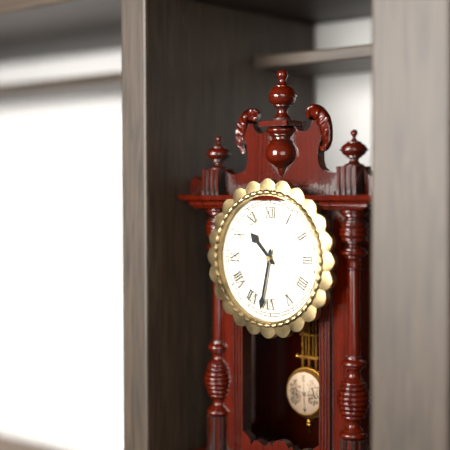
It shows 10h32
